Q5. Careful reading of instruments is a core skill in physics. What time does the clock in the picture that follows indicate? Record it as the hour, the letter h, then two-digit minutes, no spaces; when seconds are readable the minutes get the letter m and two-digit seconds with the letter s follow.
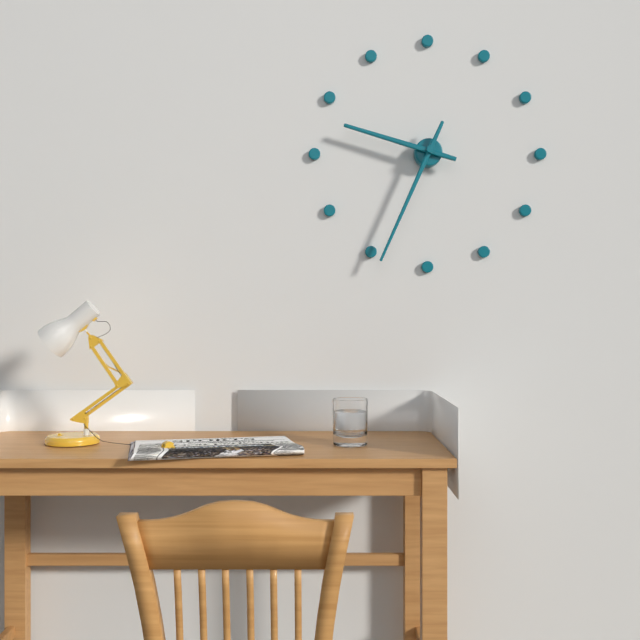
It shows 9h34
